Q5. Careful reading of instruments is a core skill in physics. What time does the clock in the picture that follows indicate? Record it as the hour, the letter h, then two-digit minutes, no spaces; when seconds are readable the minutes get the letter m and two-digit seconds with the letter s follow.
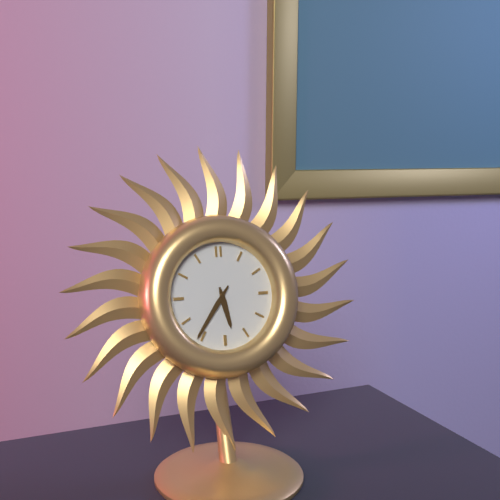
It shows 5h36
